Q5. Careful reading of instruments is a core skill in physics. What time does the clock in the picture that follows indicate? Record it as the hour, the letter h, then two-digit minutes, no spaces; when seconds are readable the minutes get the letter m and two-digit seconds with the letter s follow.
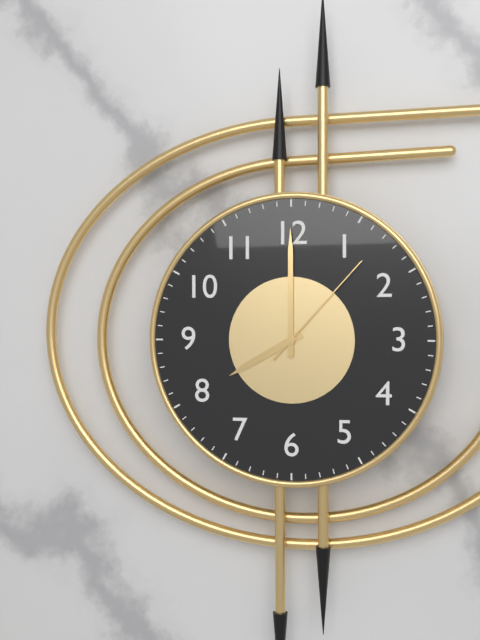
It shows 8h00m07s
